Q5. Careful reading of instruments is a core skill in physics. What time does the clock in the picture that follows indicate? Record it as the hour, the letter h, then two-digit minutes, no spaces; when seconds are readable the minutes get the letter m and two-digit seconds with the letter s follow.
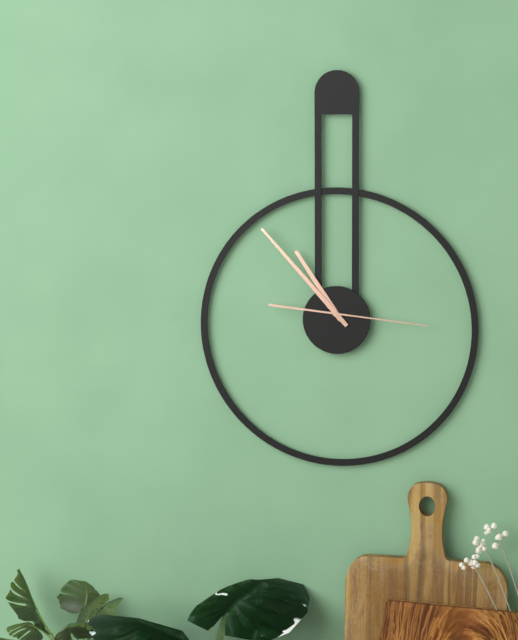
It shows 10h53m16s
